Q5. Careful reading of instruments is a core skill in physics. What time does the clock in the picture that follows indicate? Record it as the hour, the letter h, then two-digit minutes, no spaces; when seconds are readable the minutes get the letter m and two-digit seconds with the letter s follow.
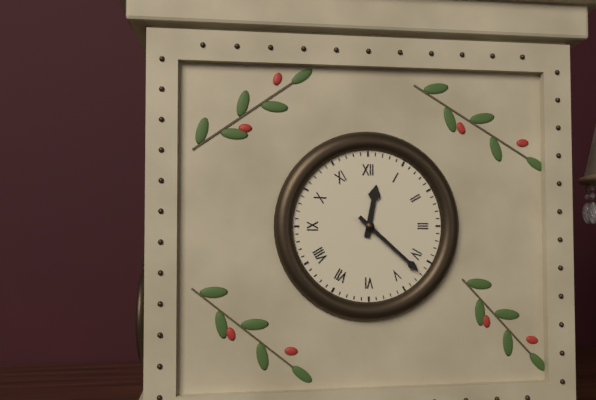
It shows 12h22
